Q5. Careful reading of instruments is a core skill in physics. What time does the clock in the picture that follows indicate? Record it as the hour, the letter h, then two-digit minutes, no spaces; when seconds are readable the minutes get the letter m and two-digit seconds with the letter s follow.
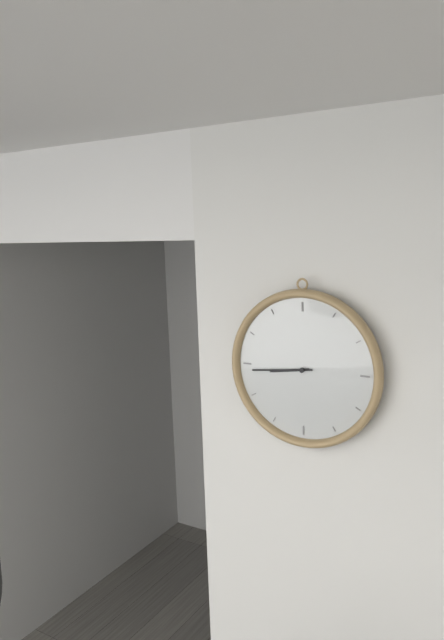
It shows 8h44
